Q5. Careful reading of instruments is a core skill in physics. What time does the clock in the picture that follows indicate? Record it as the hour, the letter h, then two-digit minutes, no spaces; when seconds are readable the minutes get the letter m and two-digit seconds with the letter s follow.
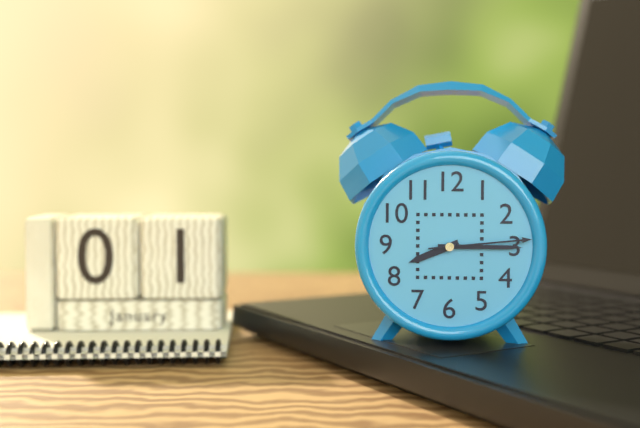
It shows 8h15m14s
